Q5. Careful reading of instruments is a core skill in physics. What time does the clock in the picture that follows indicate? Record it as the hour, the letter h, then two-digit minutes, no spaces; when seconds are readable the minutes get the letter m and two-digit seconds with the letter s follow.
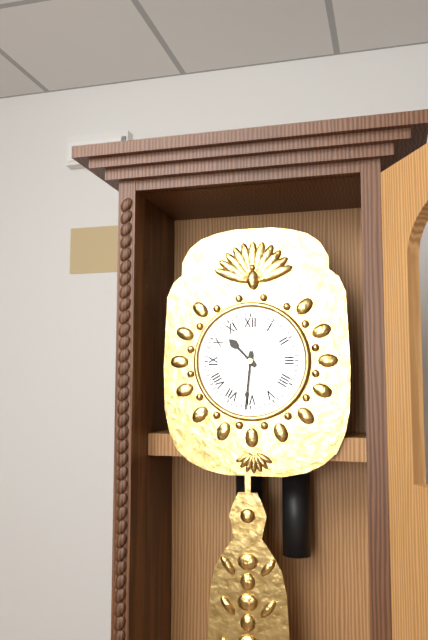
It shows 10h31
